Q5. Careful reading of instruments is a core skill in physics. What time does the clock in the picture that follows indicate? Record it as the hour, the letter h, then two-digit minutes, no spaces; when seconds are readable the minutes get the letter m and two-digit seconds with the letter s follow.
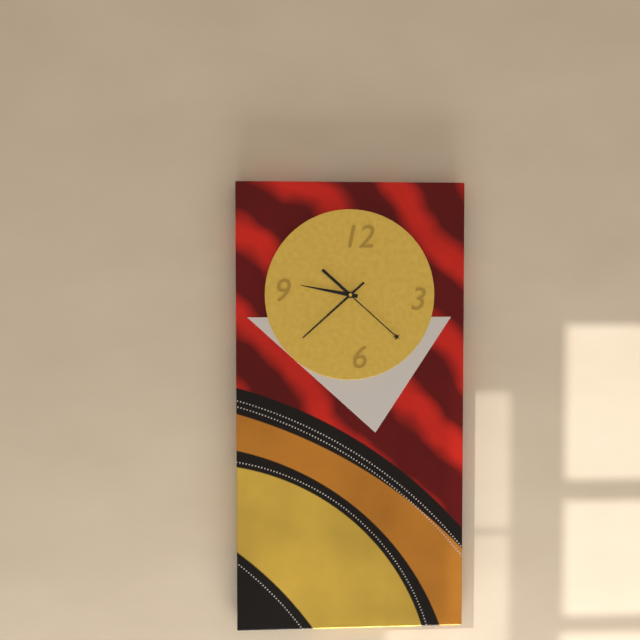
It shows 9h22m38s
